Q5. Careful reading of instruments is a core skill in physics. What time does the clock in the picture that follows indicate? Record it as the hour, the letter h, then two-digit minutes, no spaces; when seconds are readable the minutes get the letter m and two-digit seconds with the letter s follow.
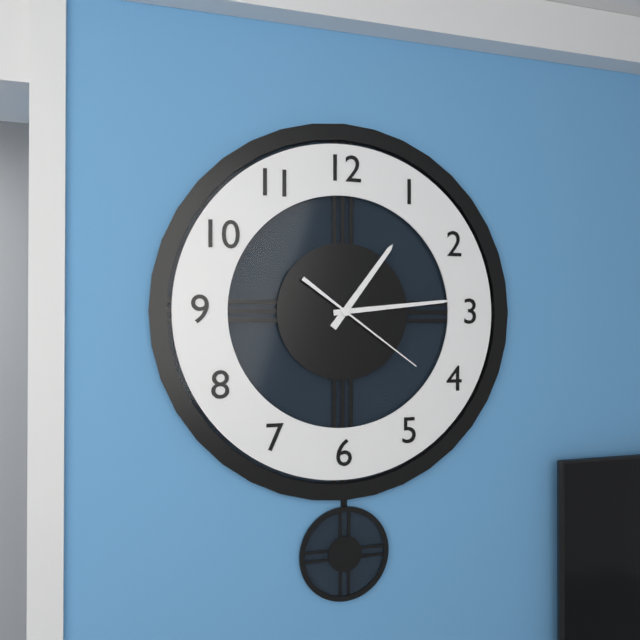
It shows 1h14m21s
